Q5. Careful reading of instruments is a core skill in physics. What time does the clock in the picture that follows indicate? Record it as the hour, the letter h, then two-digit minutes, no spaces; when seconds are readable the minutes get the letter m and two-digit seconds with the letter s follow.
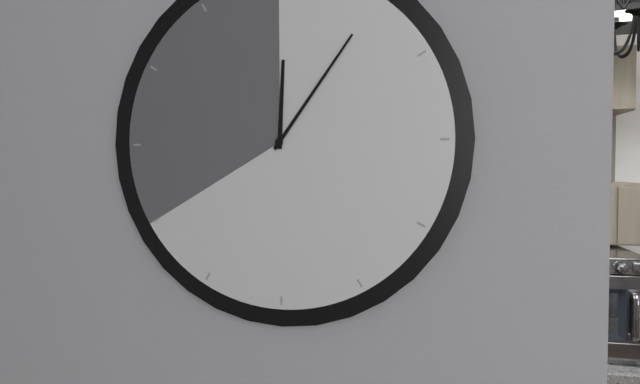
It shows 12h06
